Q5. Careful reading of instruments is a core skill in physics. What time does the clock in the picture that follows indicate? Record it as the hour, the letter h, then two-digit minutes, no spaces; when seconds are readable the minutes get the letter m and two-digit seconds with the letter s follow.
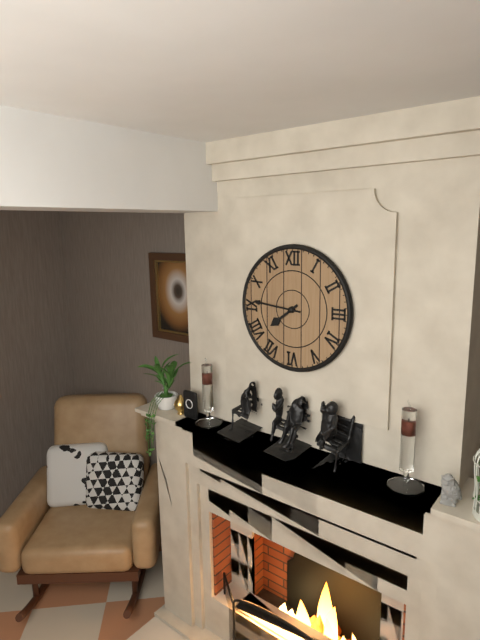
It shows 7h46
